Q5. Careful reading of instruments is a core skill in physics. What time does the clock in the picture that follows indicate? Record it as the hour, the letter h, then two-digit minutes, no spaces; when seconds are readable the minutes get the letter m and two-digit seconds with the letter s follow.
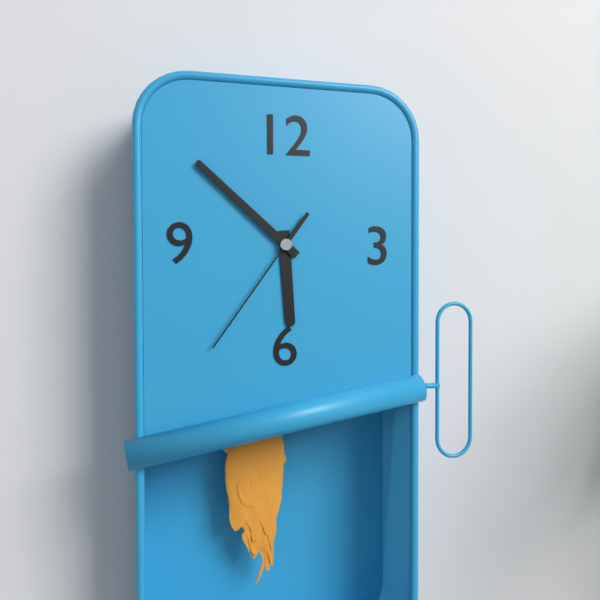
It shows 5h52m36s
